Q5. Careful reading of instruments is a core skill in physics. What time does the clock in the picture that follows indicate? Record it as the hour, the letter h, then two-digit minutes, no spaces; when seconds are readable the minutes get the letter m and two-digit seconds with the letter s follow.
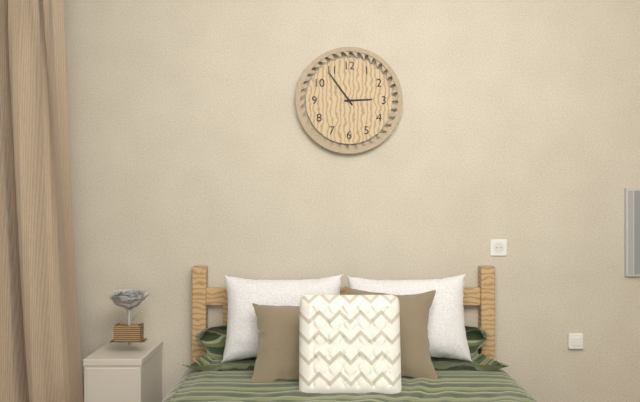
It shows 2h54
